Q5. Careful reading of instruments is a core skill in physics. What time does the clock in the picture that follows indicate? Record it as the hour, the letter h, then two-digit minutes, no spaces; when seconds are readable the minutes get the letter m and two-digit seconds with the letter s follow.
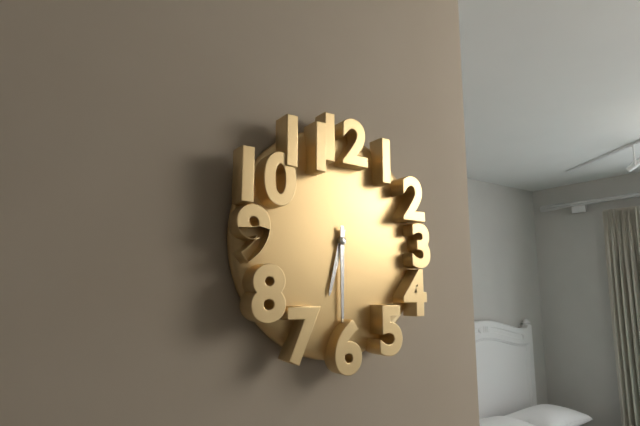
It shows 6h30
